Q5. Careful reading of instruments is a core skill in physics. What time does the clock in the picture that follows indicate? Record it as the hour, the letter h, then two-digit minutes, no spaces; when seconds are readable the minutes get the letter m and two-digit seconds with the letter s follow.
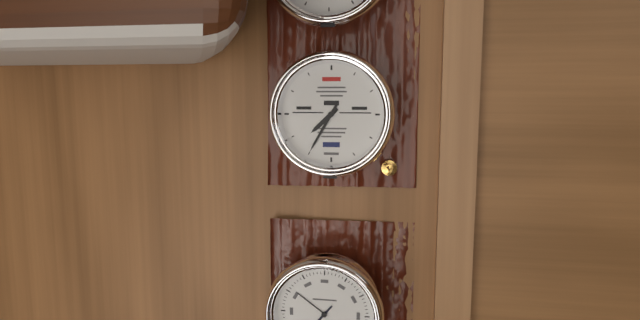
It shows 7h35
